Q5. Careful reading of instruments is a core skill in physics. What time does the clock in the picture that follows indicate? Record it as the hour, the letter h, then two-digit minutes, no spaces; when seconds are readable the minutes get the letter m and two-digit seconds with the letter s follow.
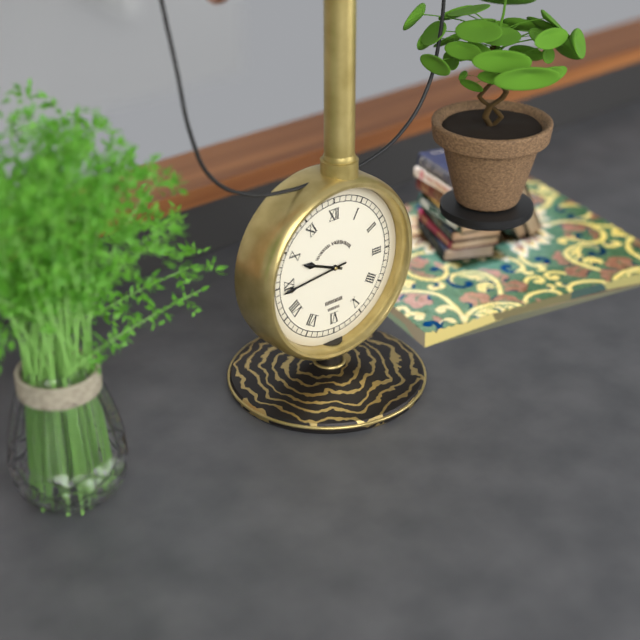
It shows 9h44
